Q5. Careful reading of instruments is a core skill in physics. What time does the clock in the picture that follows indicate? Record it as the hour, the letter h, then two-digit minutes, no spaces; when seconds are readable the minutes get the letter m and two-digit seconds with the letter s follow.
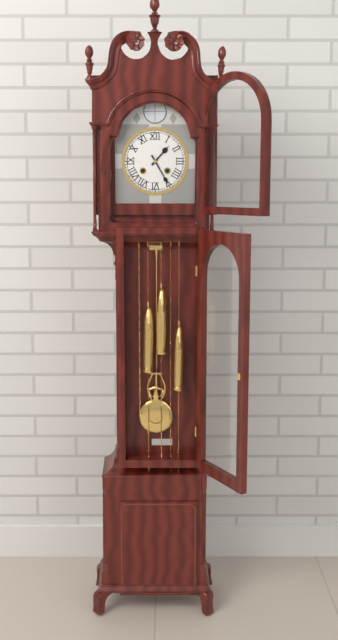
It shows 1h25
